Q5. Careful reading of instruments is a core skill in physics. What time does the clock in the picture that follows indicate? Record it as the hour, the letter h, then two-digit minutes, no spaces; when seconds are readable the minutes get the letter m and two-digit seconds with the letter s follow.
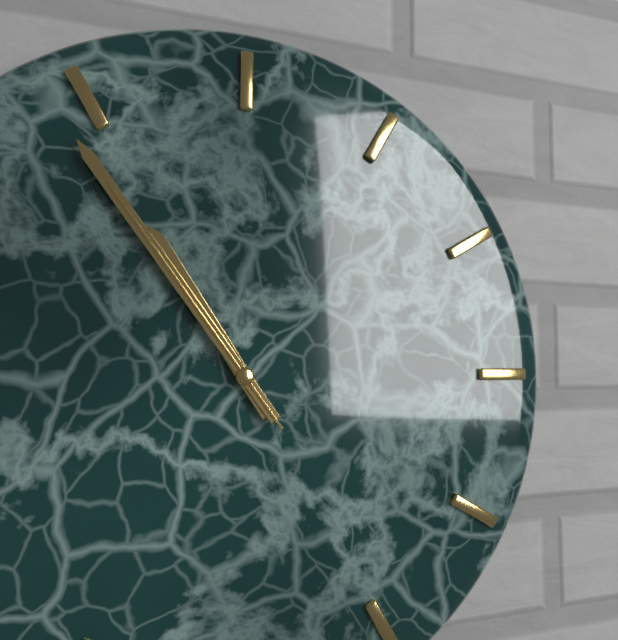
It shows 10h54m54s
